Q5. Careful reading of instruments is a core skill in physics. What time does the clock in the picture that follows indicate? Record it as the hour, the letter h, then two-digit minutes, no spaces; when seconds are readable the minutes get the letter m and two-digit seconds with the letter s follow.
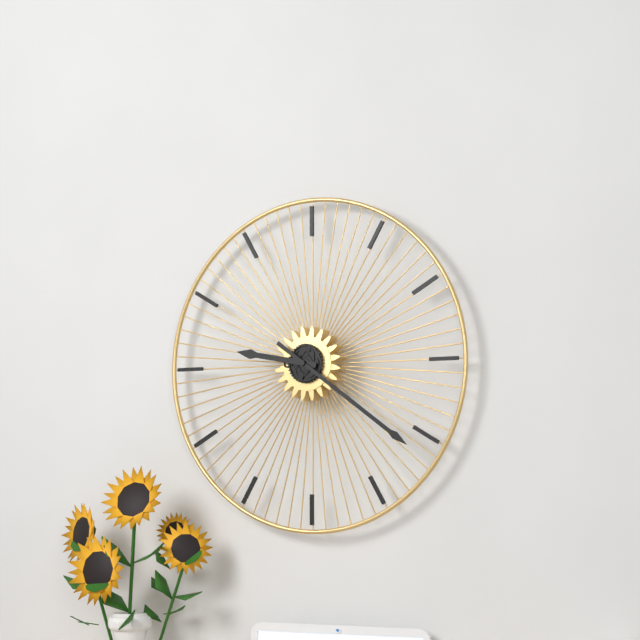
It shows 9h21
